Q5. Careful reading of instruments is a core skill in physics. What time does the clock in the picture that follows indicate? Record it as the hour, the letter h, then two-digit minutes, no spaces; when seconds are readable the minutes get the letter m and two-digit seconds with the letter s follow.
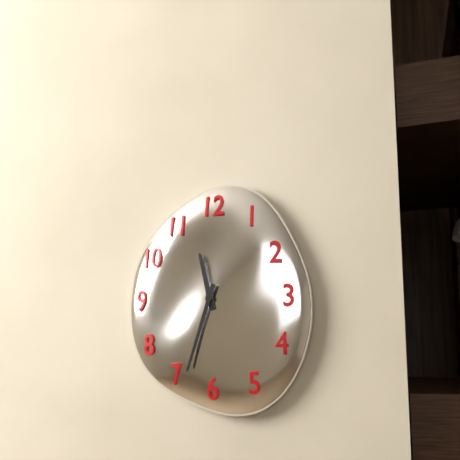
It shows 11h33
